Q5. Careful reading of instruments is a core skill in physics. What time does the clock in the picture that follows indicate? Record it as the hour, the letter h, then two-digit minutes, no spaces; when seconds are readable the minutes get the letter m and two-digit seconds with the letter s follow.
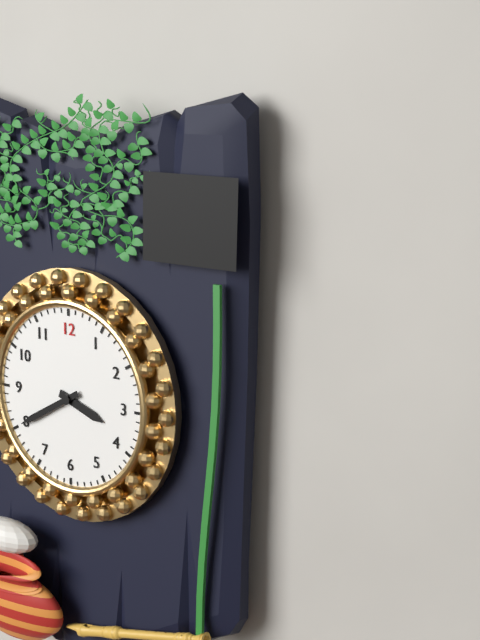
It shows 3h40
